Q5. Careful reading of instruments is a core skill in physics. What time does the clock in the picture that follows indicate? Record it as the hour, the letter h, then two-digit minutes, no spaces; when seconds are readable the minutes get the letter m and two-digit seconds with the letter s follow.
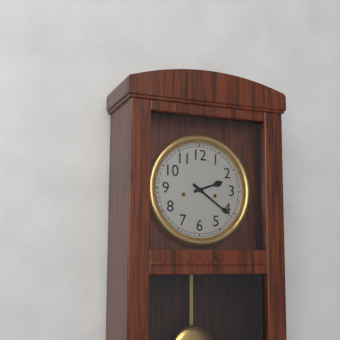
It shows 2h21
